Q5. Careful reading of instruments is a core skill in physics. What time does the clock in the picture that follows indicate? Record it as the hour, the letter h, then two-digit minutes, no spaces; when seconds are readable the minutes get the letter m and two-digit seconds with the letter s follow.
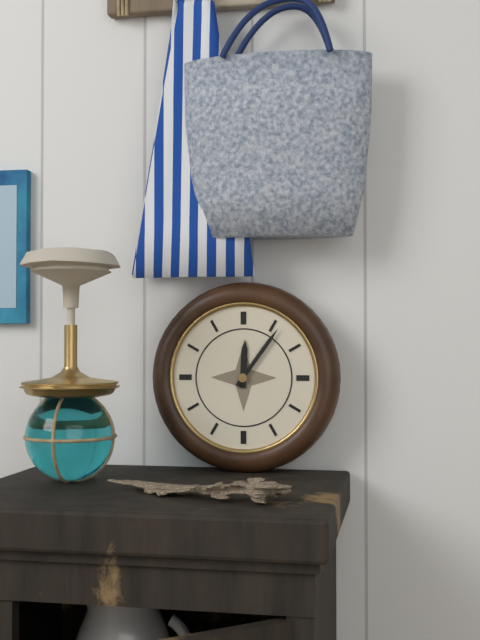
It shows 12h06
